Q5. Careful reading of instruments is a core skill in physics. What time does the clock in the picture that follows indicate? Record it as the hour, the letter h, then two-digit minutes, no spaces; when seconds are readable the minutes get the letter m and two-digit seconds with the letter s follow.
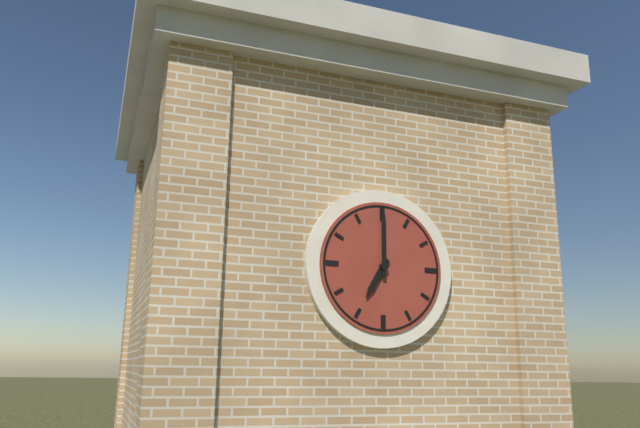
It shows 7h00
